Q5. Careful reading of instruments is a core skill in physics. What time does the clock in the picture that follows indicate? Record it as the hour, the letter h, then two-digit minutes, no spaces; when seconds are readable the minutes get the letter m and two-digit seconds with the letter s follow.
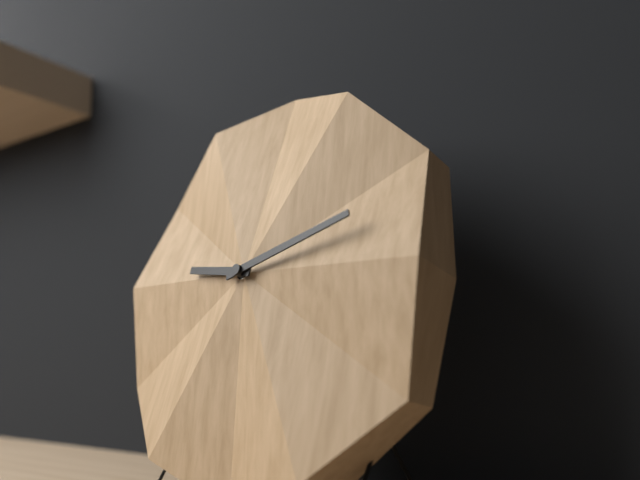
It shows 9h12
